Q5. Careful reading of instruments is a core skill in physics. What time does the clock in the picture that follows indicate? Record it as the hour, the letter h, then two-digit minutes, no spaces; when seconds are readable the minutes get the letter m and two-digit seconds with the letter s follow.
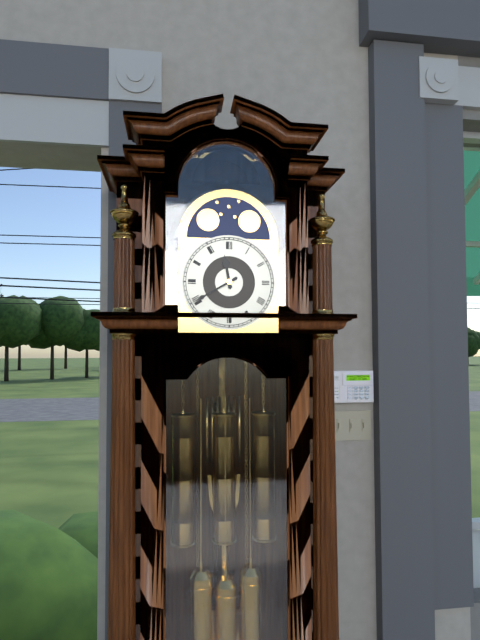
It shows 11h40
